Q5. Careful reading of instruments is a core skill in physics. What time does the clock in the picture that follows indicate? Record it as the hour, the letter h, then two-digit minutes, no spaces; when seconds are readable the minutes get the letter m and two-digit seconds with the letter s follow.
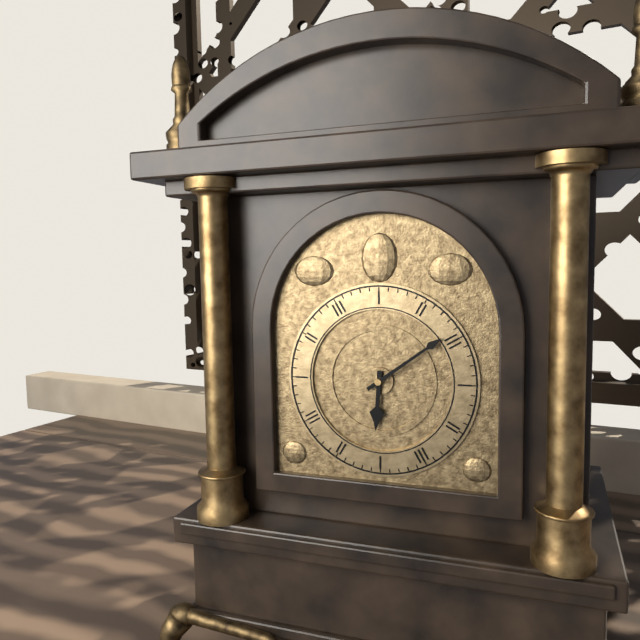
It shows 6h09
